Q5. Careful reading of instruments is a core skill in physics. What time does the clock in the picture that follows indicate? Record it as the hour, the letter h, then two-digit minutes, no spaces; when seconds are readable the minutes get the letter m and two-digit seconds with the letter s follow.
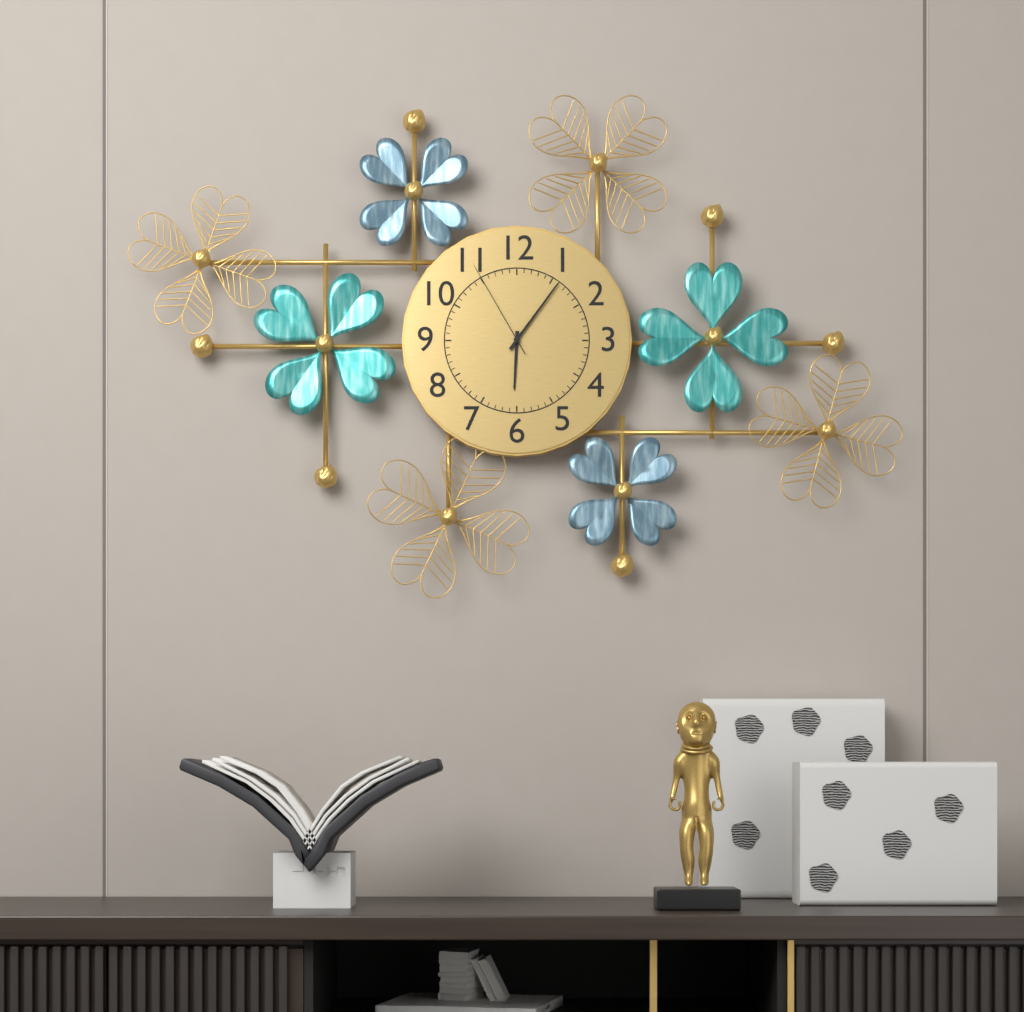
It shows 6h06m55s
